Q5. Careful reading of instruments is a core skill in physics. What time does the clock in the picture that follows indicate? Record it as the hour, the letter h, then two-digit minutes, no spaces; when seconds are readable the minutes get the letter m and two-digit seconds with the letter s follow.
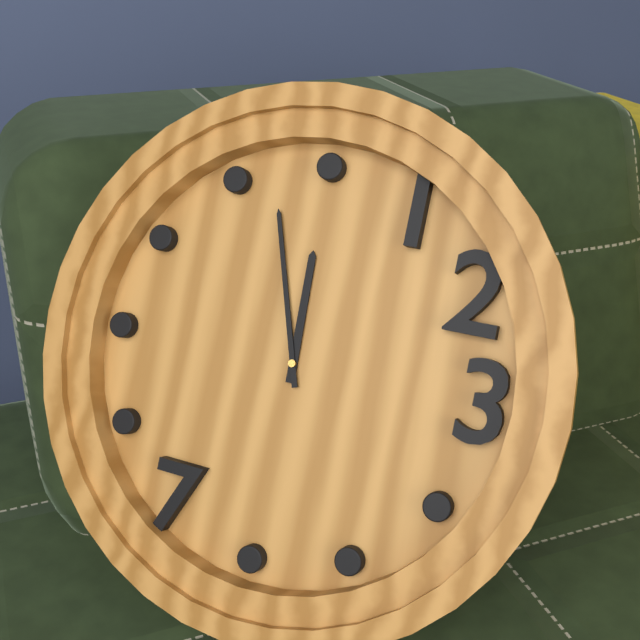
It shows 11h57
